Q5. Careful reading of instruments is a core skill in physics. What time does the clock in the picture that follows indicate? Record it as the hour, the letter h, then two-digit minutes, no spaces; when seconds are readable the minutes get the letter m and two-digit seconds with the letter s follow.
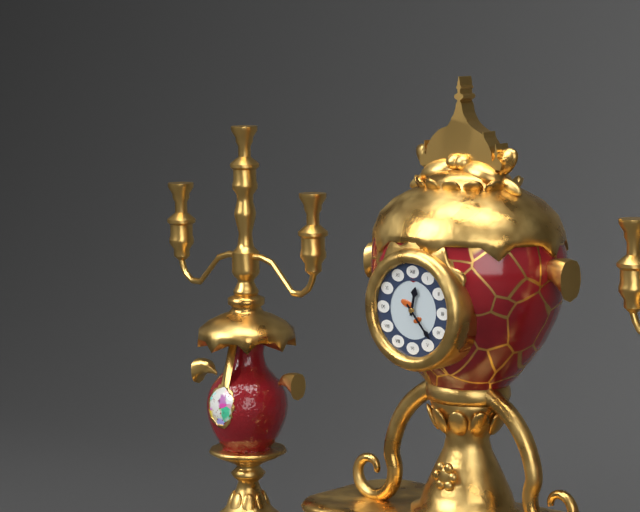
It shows 12h23
